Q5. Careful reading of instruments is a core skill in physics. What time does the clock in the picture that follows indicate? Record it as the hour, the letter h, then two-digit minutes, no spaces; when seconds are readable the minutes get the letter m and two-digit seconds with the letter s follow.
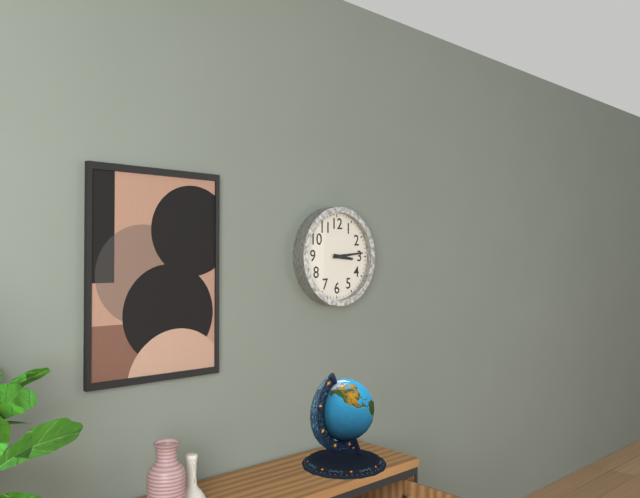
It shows 3h14
